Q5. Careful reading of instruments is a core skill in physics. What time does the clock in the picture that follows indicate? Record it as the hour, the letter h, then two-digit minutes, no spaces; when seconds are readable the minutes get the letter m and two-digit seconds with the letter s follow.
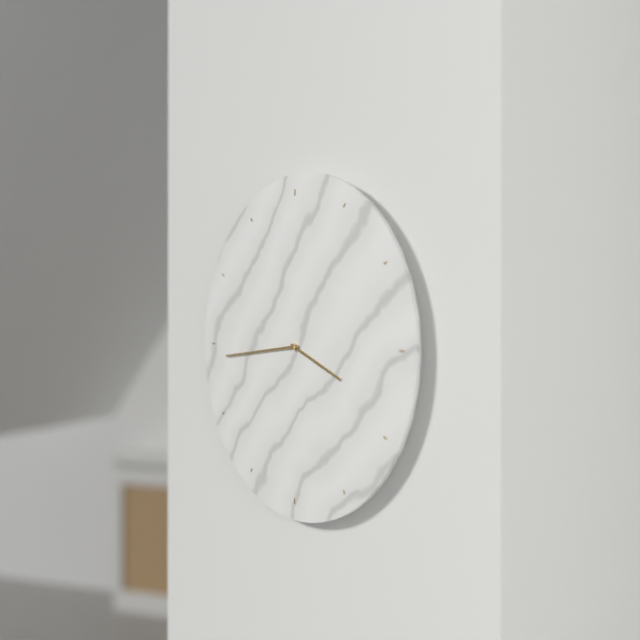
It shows 3h44
